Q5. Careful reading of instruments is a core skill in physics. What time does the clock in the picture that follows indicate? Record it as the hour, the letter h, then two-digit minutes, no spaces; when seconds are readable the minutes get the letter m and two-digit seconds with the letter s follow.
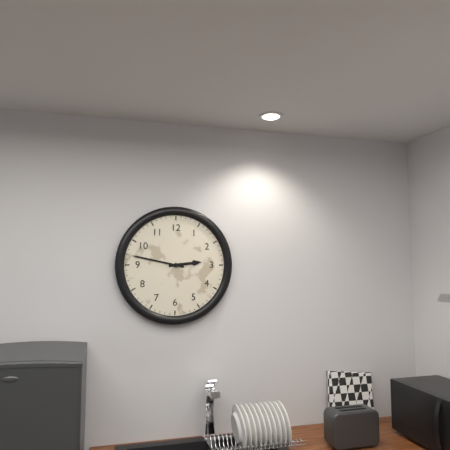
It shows 2h47
